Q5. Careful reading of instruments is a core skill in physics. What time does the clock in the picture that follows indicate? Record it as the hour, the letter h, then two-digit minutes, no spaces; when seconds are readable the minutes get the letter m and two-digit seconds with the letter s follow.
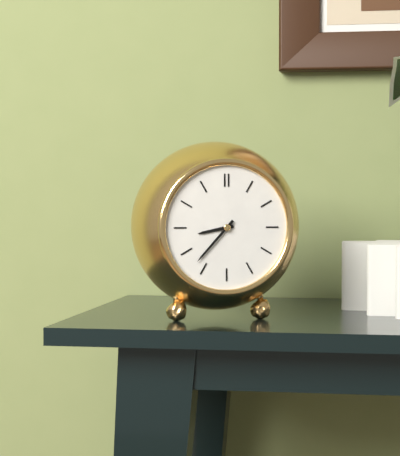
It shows 8h37
